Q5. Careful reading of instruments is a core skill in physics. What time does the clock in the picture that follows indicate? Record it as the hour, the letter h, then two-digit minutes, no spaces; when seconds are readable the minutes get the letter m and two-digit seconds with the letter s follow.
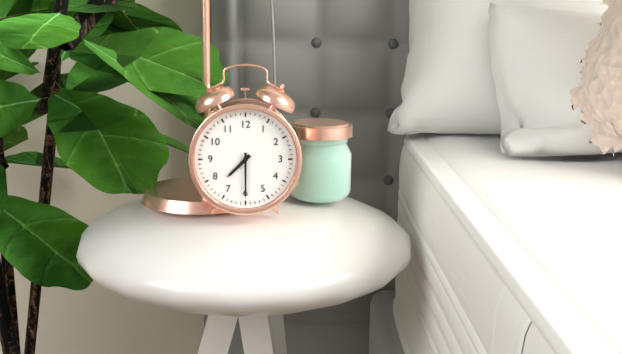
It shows 7h30
